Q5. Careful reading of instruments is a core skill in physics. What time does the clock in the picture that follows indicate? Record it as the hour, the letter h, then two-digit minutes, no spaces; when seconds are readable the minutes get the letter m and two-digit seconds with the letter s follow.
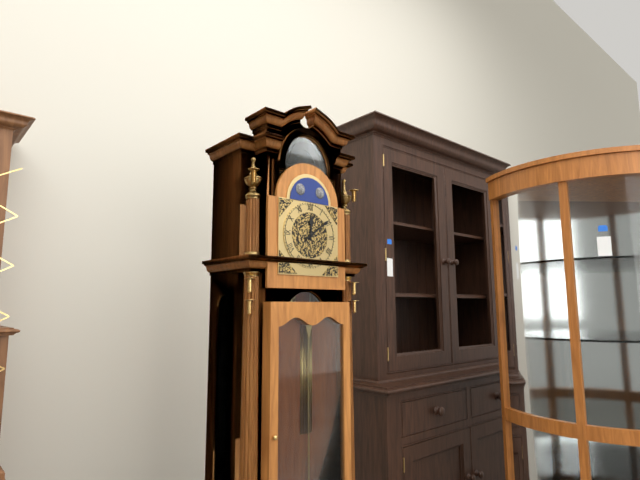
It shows 12h09
